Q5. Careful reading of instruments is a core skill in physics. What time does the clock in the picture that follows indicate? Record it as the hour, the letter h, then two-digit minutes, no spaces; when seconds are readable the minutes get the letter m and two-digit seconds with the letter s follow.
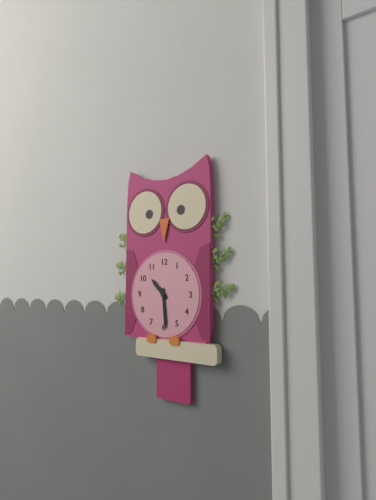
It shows 10h29
